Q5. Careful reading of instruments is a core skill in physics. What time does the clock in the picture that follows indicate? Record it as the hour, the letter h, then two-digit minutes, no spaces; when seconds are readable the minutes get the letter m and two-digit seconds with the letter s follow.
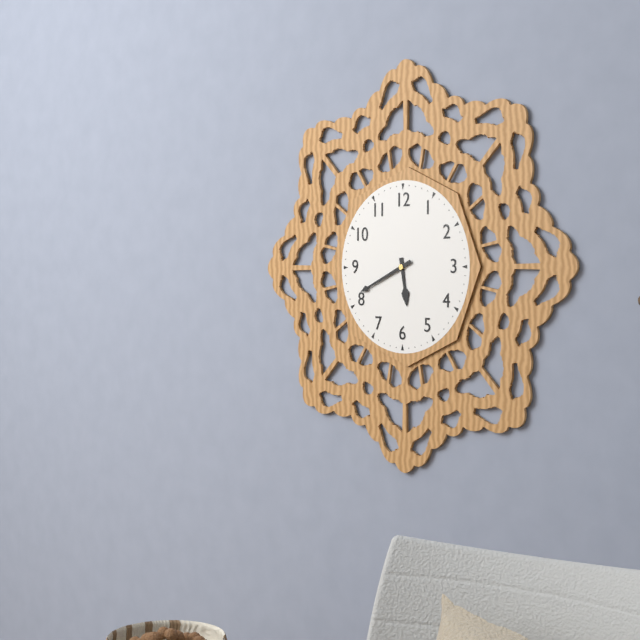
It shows 5h41
